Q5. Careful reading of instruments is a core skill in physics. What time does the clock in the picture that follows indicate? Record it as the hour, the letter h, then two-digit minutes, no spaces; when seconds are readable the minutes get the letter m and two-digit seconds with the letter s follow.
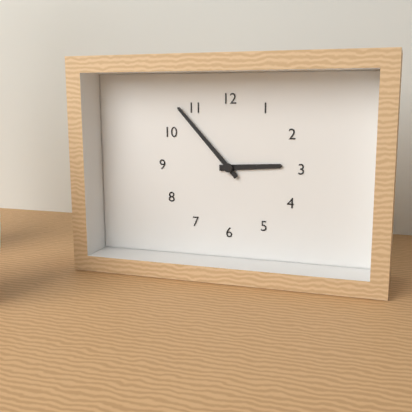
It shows 2h53
